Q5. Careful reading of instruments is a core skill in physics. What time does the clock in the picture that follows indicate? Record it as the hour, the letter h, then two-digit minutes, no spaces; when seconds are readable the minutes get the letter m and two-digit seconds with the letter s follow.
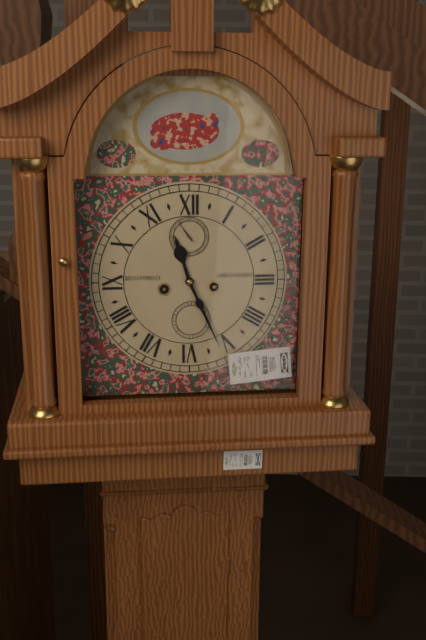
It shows 11h26
